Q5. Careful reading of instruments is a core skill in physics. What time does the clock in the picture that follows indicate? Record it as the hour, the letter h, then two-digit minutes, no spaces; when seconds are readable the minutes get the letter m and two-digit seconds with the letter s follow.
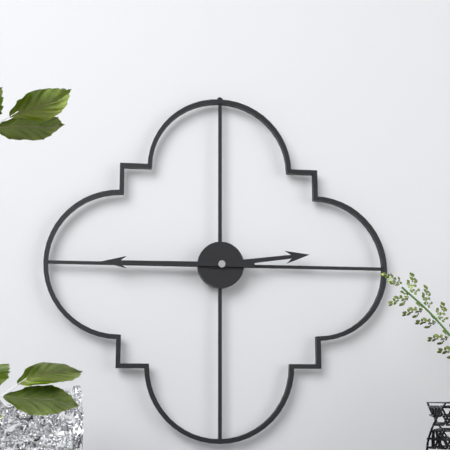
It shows 2h45
